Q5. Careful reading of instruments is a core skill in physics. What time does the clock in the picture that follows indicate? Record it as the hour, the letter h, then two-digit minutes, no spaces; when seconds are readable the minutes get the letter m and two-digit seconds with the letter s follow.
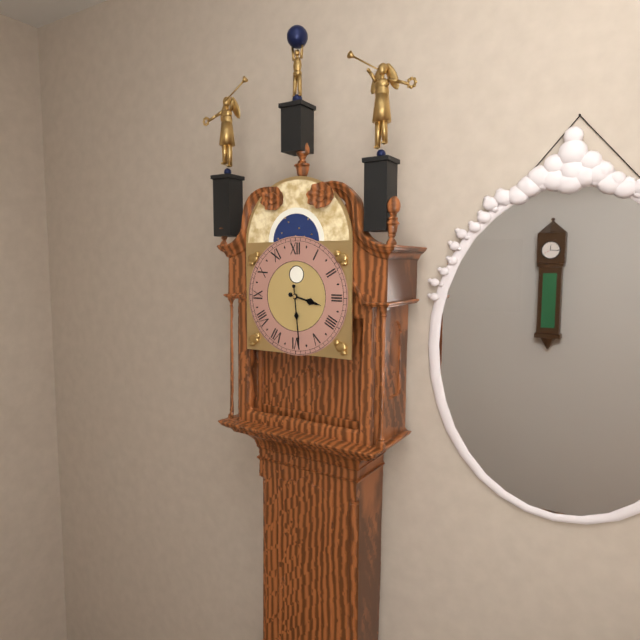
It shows 3h29
